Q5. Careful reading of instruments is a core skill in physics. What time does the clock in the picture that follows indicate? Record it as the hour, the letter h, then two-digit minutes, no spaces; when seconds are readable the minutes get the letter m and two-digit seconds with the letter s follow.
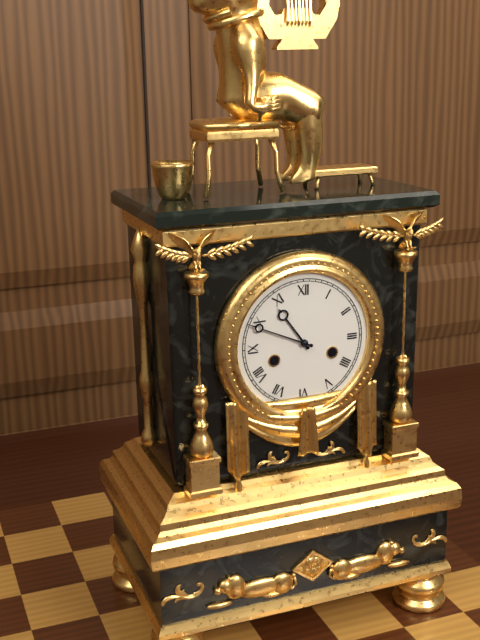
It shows 10h49
